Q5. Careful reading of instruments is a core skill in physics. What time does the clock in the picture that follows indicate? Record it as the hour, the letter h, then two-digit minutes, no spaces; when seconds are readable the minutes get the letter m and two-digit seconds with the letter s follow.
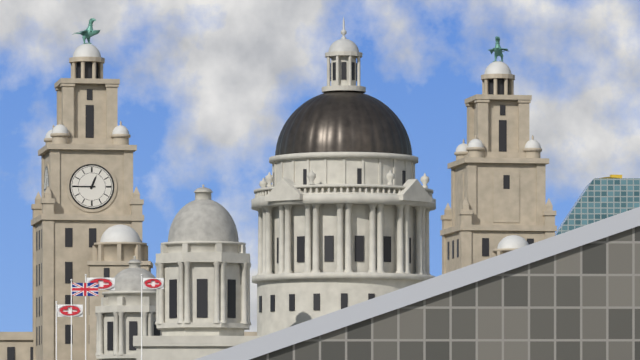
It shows 12h45
